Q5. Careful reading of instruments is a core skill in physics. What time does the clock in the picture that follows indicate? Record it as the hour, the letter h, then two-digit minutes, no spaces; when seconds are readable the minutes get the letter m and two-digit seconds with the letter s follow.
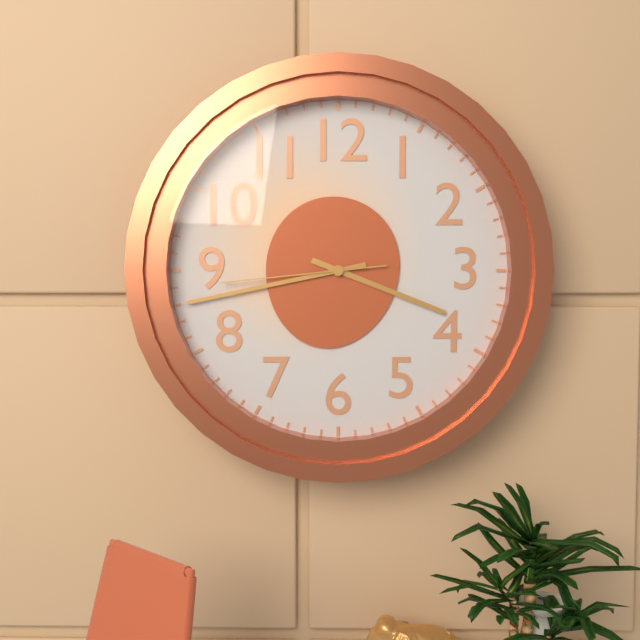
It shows 3h43m44s
